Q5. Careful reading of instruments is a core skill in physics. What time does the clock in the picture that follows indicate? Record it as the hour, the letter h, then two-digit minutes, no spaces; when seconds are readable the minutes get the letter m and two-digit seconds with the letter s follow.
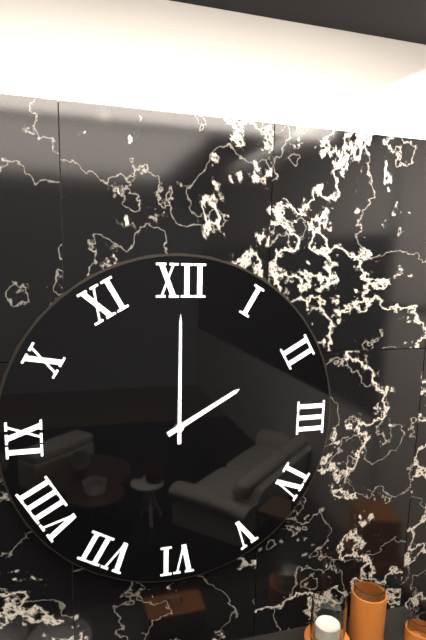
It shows 2h00
